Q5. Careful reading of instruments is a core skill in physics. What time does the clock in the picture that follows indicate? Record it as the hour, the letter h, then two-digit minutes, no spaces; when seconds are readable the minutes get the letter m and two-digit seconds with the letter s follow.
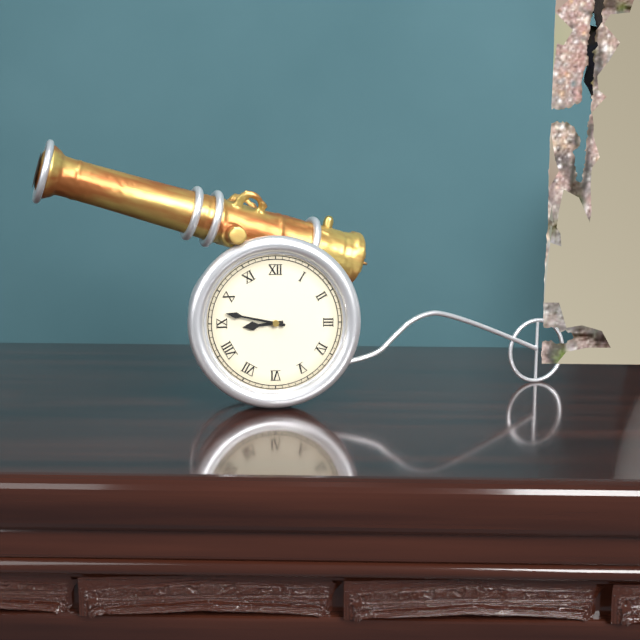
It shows 8h47
